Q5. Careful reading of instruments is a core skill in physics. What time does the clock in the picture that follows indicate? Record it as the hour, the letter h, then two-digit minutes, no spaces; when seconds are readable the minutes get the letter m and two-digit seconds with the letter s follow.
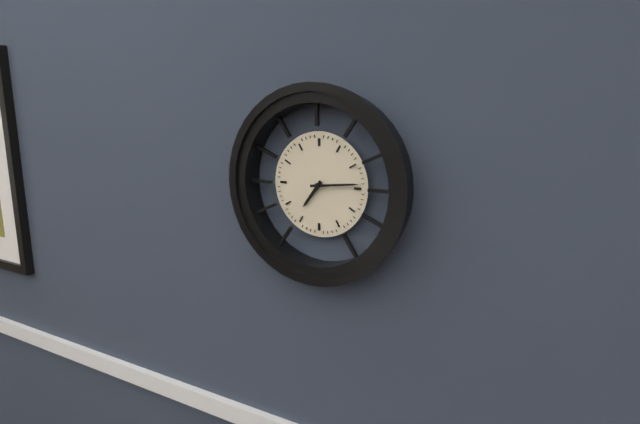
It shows 7h14
